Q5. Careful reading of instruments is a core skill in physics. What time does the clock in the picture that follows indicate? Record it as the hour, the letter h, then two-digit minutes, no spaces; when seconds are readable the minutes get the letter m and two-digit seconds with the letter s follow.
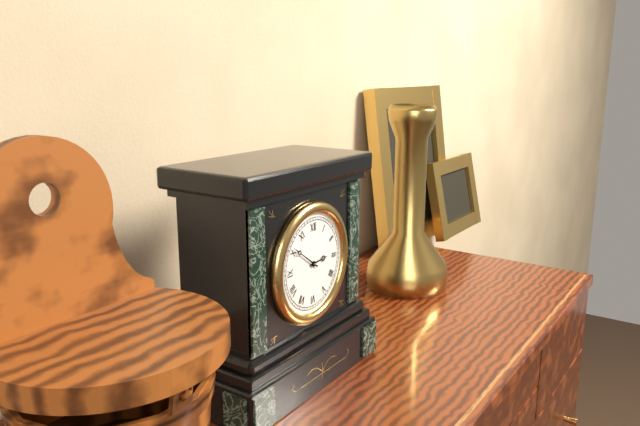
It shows 2h51
